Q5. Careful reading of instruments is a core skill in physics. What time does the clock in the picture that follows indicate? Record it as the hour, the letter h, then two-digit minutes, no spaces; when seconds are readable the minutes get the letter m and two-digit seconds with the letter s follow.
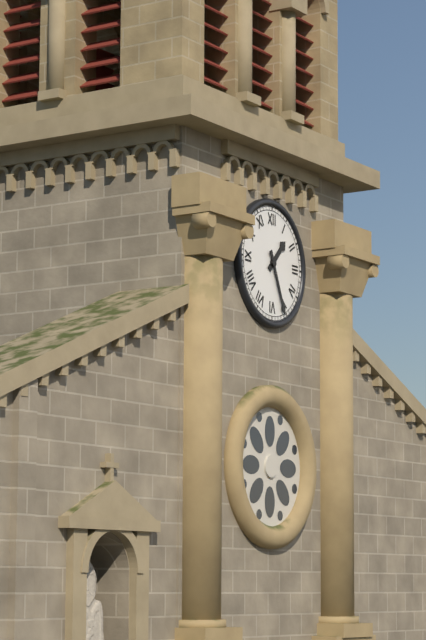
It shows 1h26
